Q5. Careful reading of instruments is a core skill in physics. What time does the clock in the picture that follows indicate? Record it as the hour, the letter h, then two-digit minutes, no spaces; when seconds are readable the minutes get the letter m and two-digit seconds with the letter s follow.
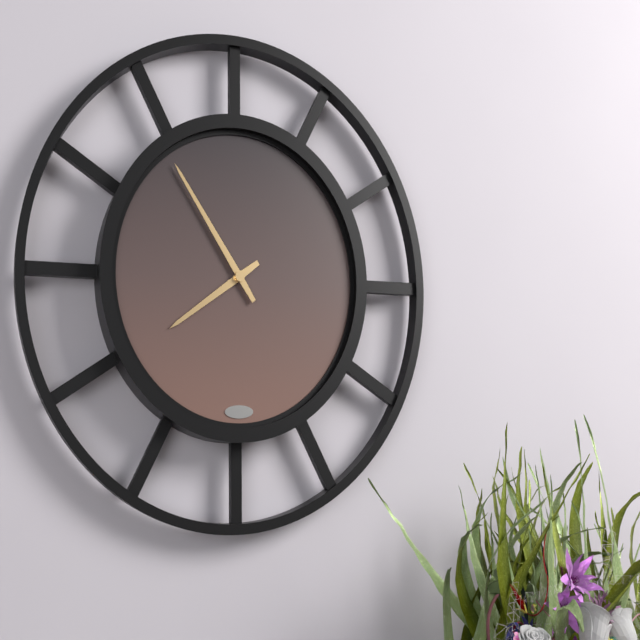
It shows 7h54
